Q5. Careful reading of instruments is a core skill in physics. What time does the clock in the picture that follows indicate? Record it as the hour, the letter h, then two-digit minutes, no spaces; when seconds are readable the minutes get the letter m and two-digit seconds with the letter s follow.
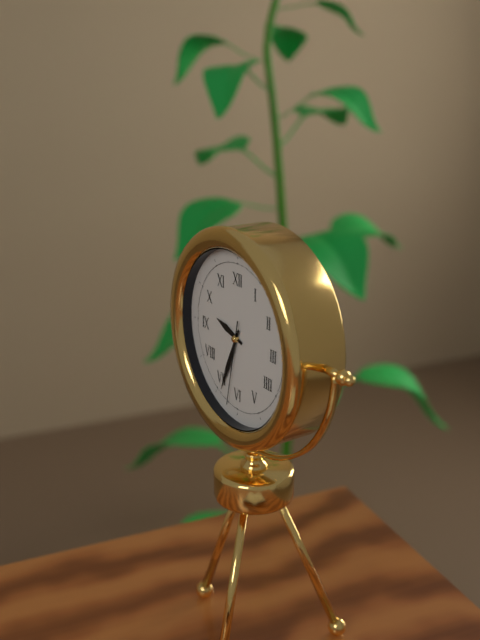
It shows 9h34m32s
